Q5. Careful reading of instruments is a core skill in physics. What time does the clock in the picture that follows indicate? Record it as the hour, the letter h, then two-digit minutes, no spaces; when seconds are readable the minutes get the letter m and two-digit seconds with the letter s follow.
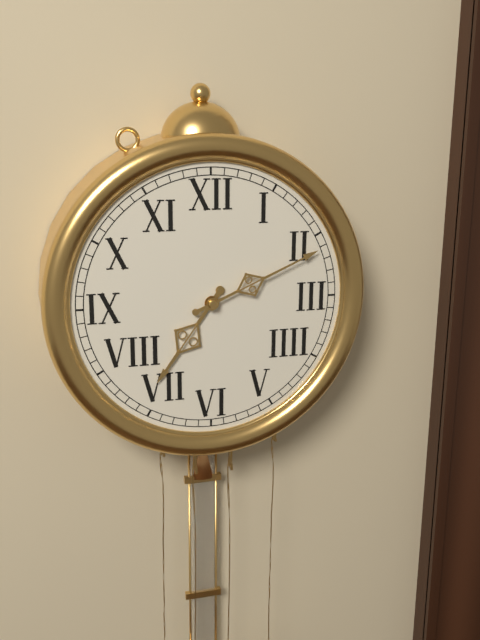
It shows 7h11
